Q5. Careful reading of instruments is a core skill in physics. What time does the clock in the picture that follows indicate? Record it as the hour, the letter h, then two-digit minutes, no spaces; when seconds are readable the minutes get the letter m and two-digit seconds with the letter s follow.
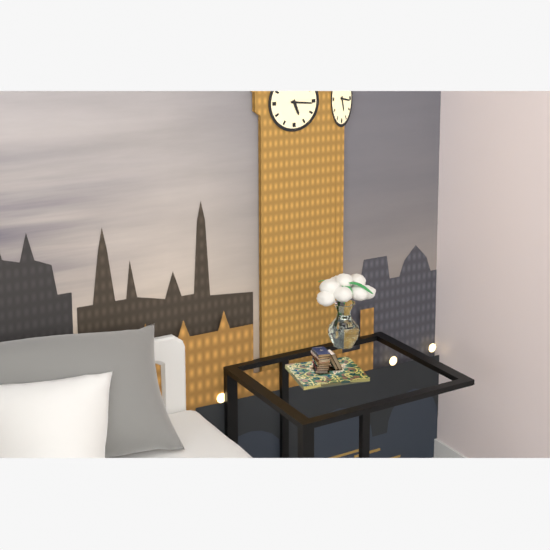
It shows 5h16
